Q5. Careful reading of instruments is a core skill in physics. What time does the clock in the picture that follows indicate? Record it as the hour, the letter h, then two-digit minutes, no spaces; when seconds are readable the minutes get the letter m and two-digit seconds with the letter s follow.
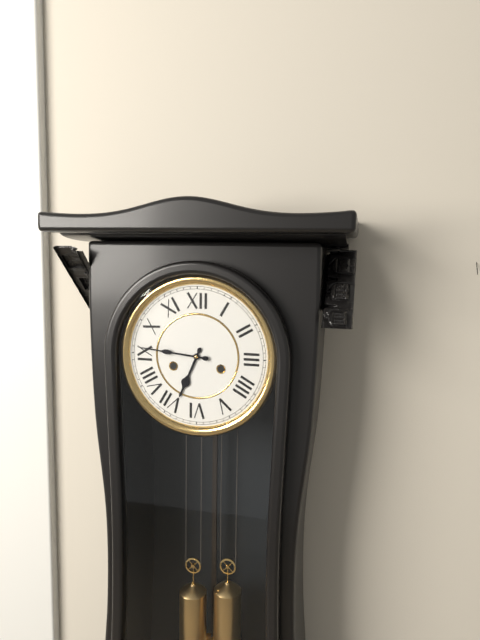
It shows 6h46
